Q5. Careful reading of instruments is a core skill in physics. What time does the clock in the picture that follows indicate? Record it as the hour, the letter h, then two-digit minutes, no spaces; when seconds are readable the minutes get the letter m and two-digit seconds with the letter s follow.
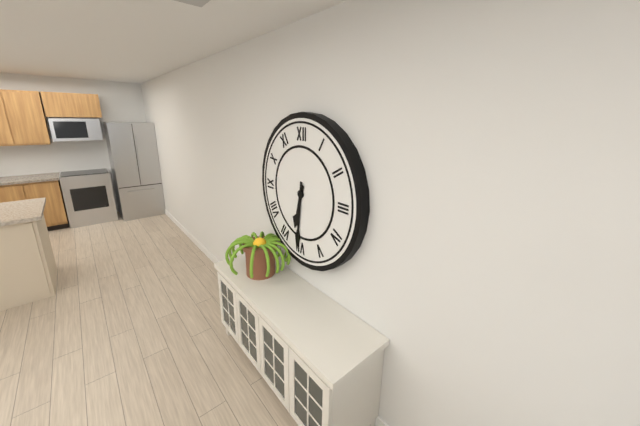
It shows 6h31
